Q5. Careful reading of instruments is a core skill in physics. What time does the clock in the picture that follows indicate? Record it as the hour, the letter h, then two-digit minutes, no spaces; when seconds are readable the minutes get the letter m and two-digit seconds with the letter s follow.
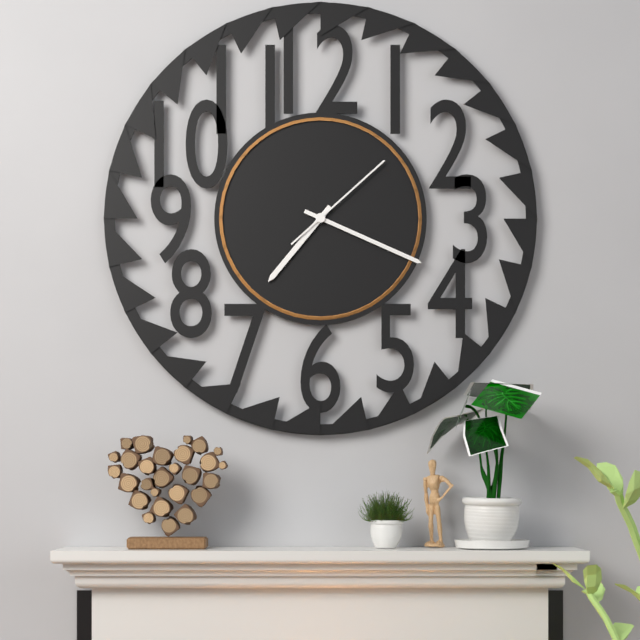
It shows 7h19m08s
